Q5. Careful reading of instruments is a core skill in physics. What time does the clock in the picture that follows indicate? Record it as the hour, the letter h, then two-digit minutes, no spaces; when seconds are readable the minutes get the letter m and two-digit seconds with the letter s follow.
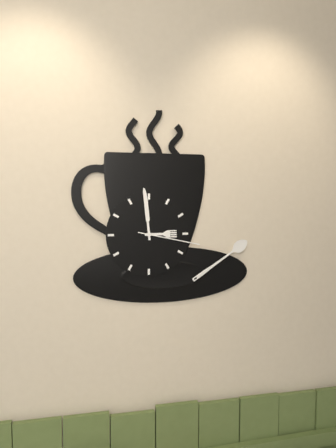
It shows 2h59m17s
